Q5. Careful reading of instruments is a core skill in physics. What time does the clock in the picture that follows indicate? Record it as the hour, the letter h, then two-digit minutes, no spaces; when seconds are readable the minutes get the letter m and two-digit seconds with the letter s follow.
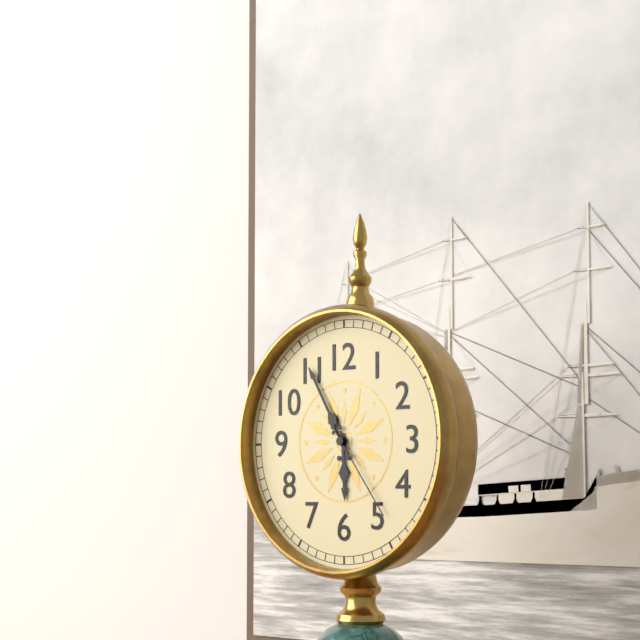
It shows 5h55m24s
